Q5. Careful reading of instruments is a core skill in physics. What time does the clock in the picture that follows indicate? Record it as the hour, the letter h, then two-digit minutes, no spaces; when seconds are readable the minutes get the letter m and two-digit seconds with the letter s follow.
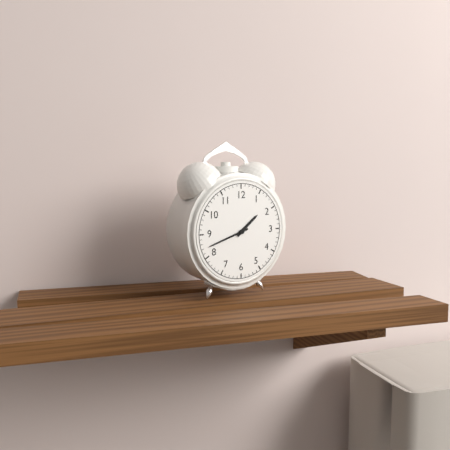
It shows 1h42
